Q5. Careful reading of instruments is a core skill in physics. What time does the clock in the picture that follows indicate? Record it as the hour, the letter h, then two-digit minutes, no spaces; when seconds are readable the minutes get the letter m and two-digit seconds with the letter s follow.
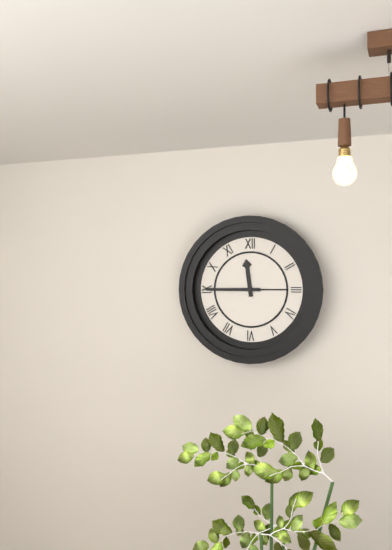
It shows 11h45
